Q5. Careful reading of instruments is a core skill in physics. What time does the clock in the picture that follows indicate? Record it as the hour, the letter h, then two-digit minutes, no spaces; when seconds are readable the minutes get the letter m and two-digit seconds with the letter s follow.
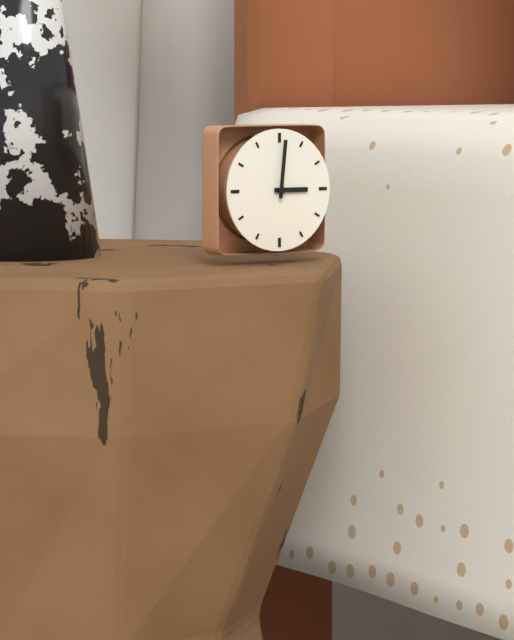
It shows 3h01
